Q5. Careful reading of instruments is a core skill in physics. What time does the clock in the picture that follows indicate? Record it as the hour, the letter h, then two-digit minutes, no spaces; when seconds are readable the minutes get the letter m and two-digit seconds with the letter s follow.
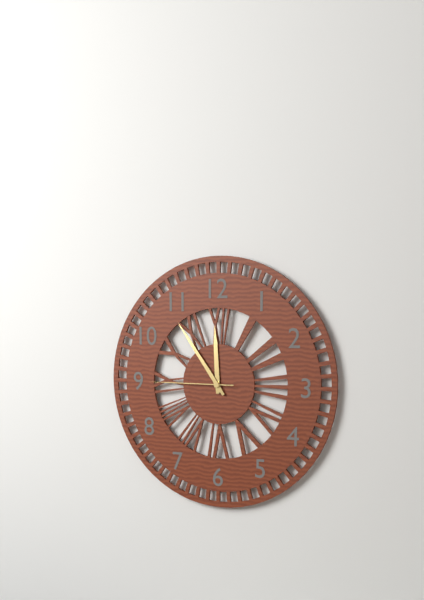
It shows 11h54m45s
